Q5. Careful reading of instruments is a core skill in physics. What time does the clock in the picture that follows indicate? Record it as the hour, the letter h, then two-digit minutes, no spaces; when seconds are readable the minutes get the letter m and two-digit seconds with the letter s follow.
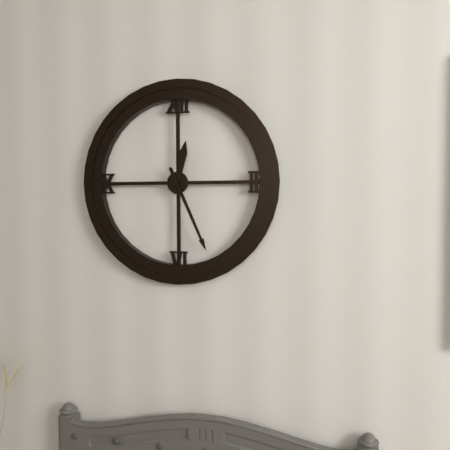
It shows 12h26
